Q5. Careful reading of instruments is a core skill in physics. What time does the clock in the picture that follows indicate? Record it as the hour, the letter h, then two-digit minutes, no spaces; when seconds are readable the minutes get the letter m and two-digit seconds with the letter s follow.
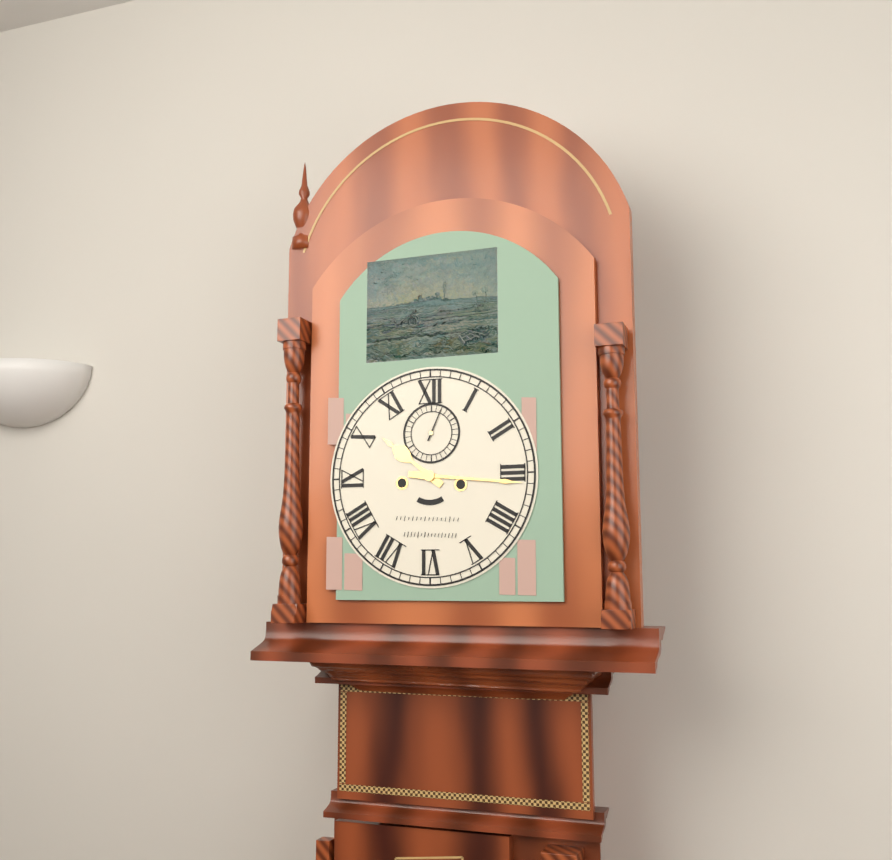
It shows 10h16
